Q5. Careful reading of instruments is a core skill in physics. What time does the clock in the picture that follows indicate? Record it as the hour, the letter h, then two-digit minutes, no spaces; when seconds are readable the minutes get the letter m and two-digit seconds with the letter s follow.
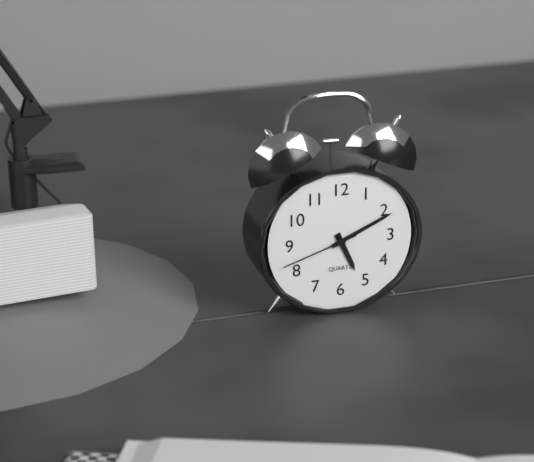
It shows 5h11m42s
